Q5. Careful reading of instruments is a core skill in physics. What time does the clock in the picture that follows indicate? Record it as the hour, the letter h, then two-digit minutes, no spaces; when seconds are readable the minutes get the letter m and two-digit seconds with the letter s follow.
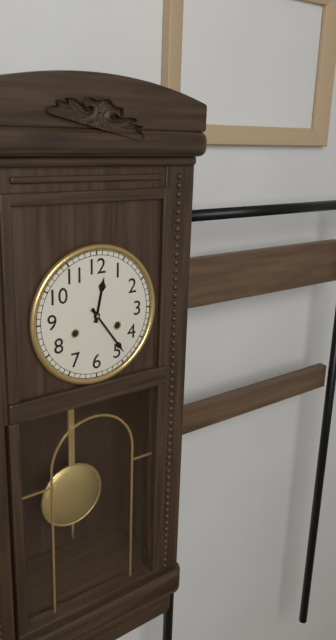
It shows 12h24
